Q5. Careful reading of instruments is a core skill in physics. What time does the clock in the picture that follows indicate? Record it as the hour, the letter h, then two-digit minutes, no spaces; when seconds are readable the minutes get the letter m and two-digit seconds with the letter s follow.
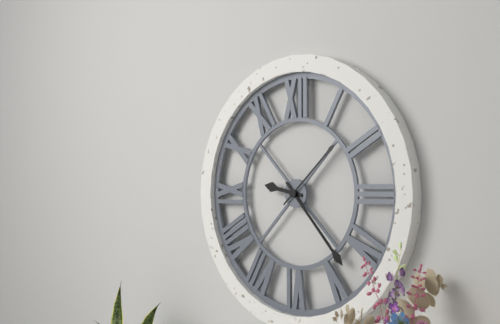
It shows 9h23m08s
